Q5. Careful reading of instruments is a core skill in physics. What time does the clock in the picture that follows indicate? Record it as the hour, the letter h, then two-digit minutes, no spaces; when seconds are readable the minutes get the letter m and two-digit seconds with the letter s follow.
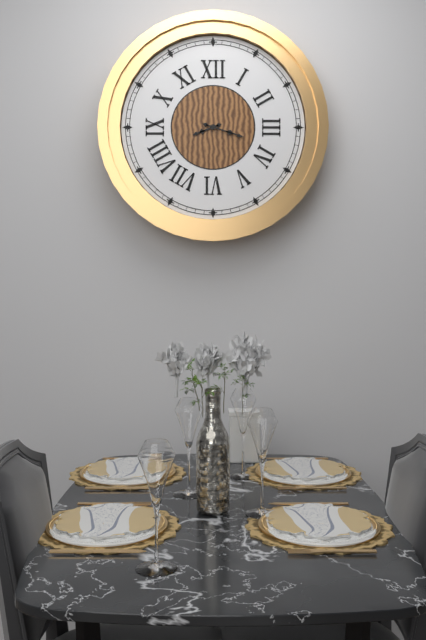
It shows 8h18
